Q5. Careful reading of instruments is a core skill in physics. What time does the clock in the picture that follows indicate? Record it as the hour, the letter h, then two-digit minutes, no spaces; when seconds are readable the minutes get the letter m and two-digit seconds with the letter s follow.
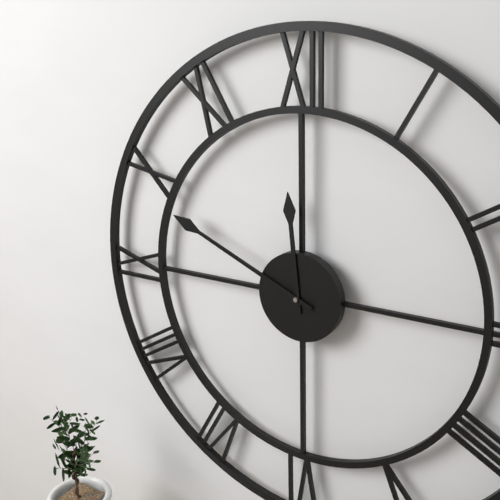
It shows 11h49
